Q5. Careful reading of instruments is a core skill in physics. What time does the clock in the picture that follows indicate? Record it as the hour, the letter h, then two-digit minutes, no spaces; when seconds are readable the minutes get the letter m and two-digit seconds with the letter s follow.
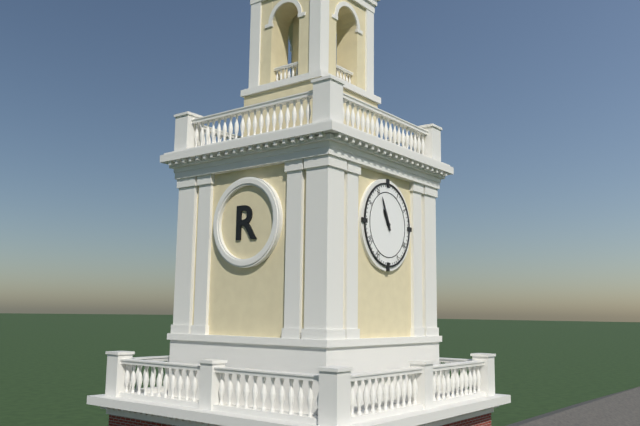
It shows 10h56
